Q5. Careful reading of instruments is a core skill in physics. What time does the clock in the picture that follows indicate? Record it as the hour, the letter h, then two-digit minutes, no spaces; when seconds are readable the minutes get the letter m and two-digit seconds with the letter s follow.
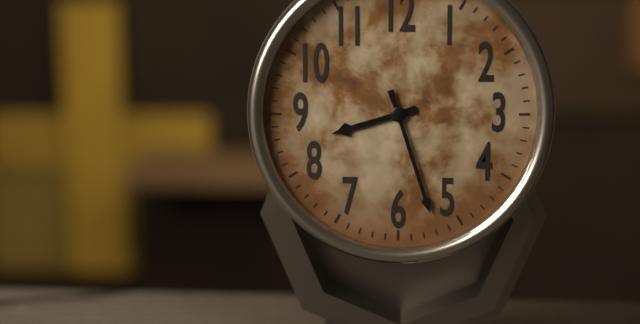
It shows 8h27
